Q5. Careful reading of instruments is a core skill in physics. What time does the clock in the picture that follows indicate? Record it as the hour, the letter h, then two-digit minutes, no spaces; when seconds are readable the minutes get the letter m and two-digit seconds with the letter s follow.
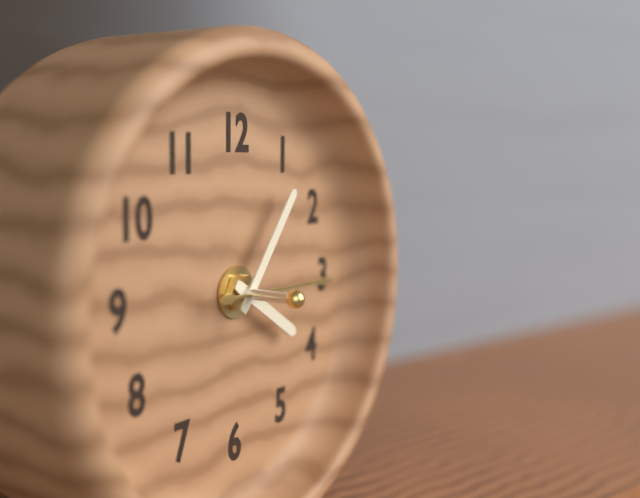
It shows 4h06m15s
